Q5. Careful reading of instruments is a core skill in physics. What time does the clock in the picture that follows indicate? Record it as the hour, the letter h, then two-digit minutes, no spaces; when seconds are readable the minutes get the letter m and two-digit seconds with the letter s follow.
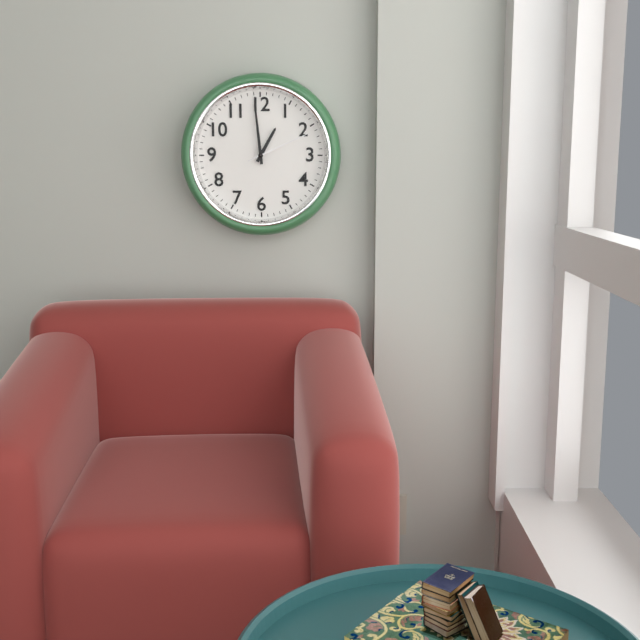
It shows 12h59m11s
